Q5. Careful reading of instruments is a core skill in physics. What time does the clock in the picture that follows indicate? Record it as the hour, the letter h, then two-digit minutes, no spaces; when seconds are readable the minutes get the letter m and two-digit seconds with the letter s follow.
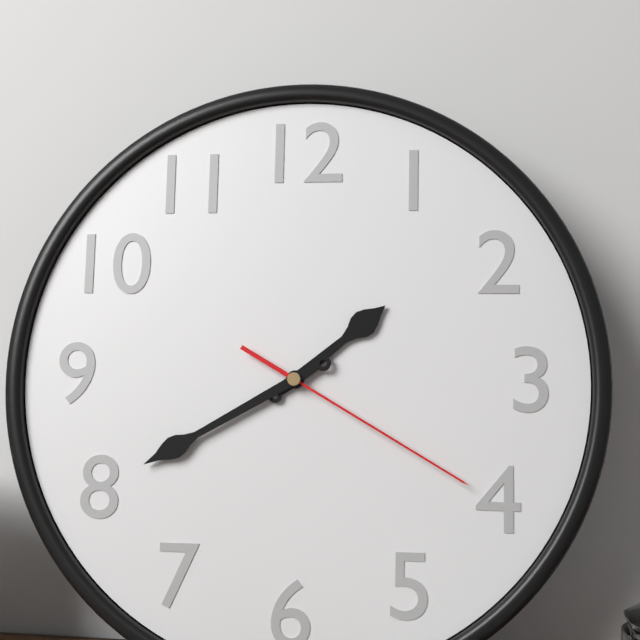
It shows 1h40m20s
